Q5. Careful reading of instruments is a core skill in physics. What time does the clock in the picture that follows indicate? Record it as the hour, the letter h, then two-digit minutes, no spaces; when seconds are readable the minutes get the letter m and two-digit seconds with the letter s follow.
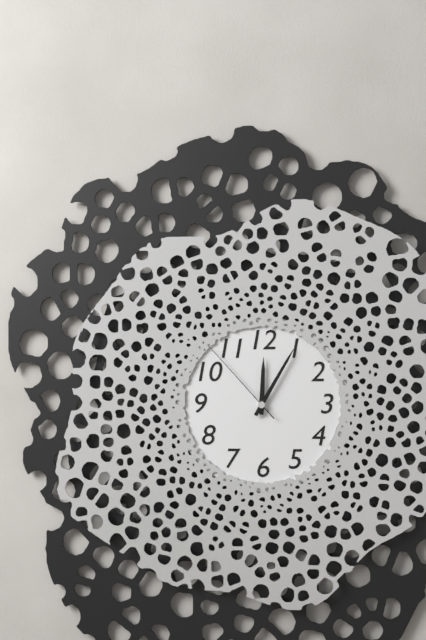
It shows 12h05m53s
